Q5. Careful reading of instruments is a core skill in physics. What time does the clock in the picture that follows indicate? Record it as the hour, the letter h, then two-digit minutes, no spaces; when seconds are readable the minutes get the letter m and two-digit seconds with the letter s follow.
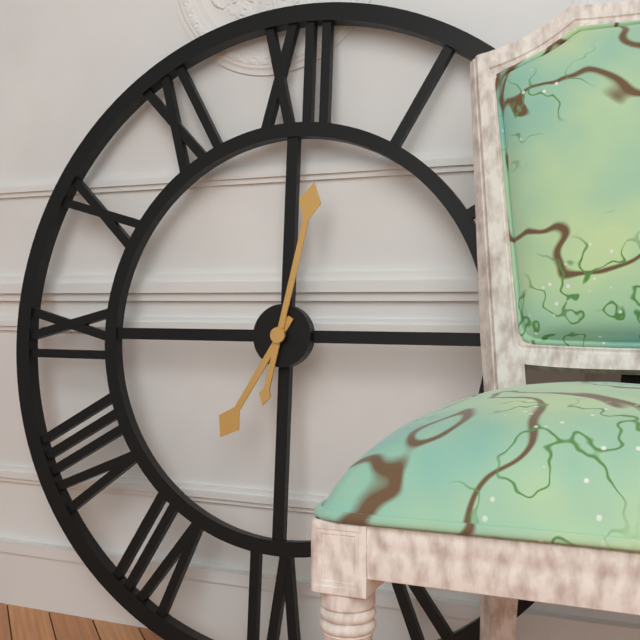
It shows 7h02
